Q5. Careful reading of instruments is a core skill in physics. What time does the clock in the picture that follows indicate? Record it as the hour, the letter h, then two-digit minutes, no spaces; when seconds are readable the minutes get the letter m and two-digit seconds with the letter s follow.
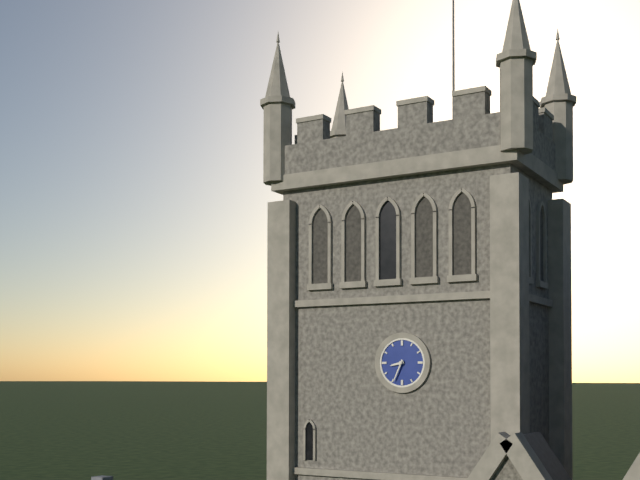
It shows 8h34
